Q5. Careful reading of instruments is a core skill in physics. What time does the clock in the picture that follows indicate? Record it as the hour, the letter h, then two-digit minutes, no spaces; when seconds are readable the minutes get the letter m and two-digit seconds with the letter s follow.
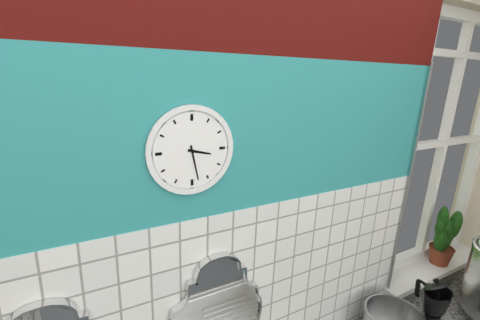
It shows 3h28
